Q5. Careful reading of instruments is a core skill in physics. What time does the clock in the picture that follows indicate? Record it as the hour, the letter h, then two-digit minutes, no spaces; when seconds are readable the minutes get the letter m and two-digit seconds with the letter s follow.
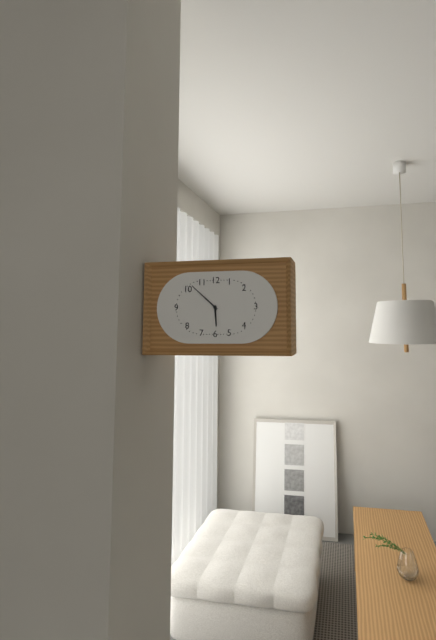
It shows 5h52
